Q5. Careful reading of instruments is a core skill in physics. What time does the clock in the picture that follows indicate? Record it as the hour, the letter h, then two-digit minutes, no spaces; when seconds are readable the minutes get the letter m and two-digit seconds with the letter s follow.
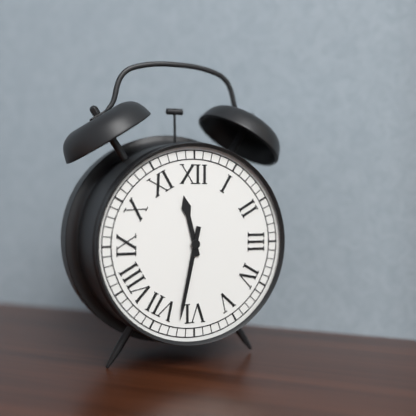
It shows 11h32
